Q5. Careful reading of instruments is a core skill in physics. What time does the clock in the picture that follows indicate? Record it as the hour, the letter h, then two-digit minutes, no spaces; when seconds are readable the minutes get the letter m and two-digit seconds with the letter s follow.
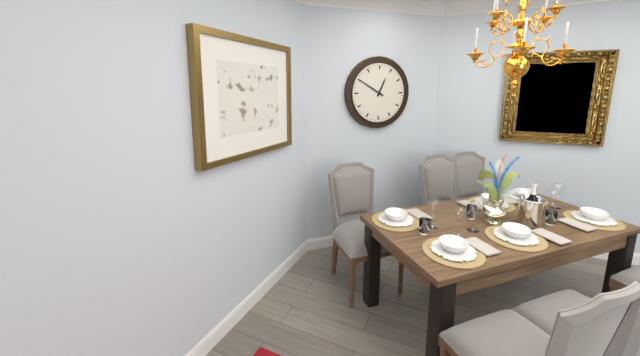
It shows 12h50
